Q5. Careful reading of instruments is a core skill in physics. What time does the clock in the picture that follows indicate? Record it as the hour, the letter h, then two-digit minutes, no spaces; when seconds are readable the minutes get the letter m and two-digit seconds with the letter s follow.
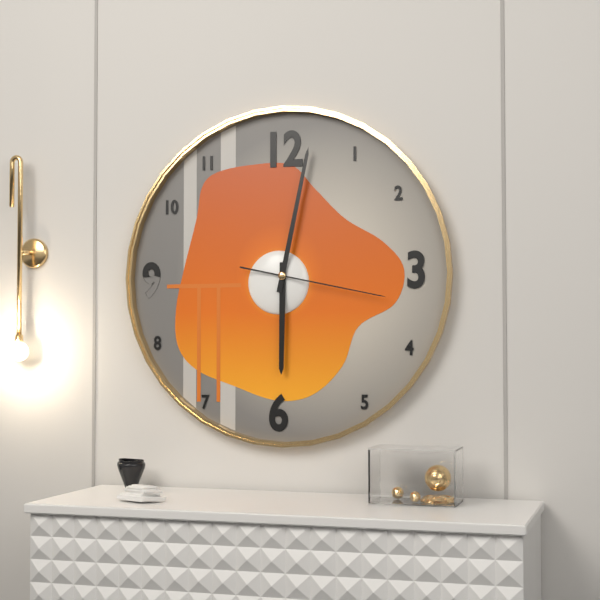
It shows 6h02m17s
